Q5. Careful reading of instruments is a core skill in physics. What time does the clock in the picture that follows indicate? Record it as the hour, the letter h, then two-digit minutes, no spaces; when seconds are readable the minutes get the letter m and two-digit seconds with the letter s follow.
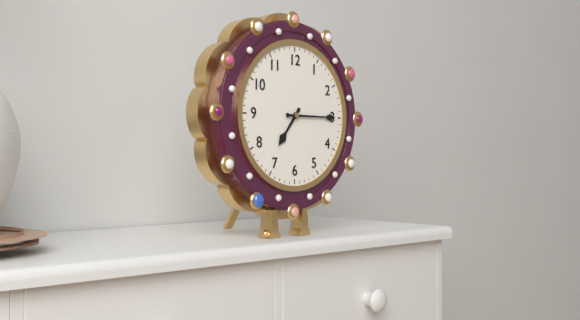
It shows 7h15
